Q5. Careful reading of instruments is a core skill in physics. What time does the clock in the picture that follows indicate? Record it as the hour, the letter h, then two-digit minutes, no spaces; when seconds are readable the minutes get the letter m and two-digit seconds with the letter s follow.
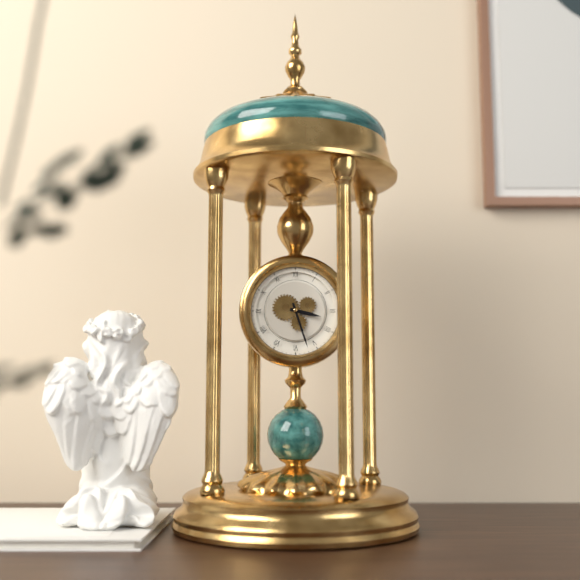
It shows 3h27
